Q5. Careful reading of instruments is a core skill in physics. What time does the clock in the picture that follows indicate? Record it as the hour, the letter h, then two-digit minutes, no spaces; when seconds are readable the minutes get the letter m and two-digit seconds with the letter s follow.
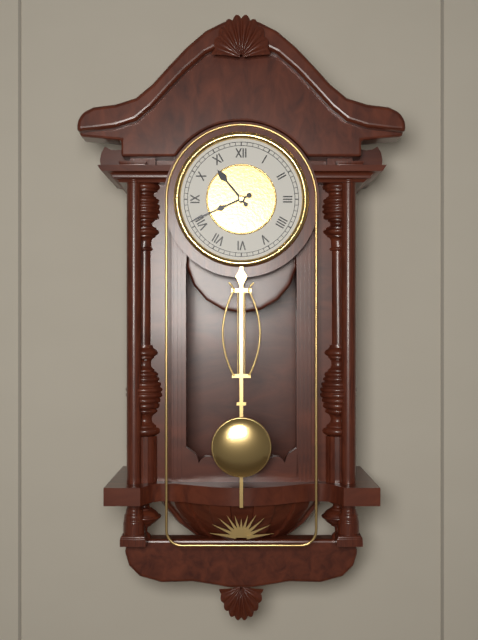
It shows 10h41
